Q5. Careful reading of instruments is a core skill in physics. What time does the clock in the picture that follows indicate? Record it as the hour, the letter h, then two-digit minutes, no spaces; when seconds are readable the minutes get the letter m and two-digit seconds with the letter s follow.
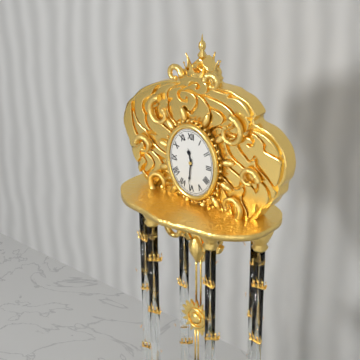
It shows 11h31
